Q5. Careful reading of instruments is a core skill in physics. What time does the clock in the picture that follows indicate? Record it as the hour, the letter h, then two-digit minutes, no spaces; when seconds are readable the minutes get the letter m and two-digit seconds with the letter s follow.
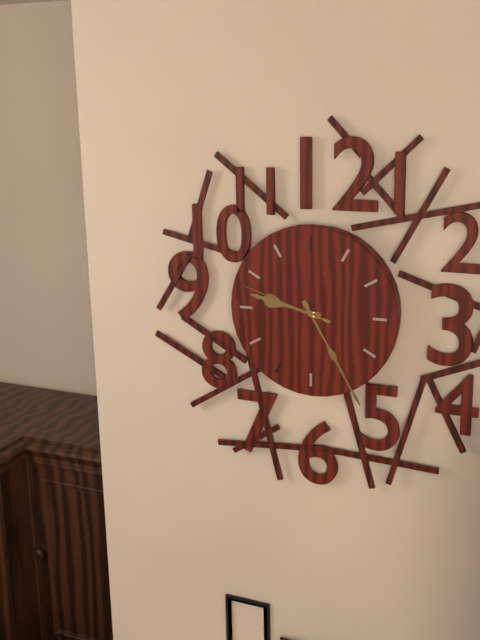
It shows 9h25m48s
